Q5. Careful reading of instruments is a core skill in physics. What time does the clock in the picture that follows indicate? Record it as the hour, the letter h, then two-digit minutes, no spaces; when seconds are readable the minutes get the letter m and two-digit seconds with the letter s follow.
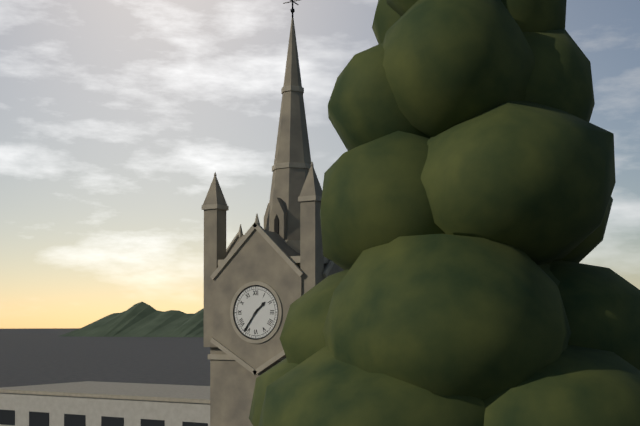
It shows 1h36
